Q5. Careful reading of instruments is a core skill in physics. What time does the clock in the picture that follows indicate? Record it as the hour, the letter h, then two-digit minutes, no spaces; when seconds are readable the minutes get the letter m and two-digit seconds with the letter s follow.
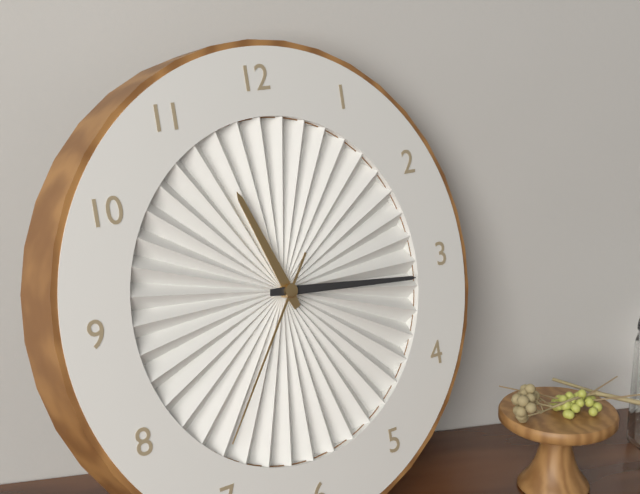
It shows 11h16m36s
